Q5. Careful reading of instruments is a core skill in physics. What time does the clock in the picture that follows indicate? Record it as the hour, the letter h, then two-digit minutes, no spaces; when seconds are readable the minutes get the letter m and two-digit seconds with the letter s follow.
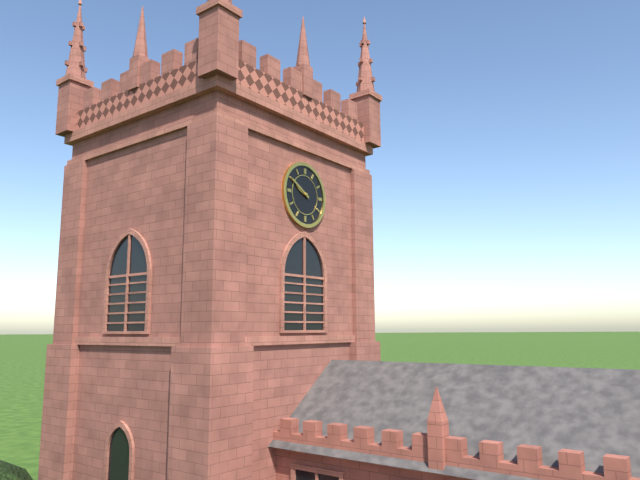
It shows 9h50
